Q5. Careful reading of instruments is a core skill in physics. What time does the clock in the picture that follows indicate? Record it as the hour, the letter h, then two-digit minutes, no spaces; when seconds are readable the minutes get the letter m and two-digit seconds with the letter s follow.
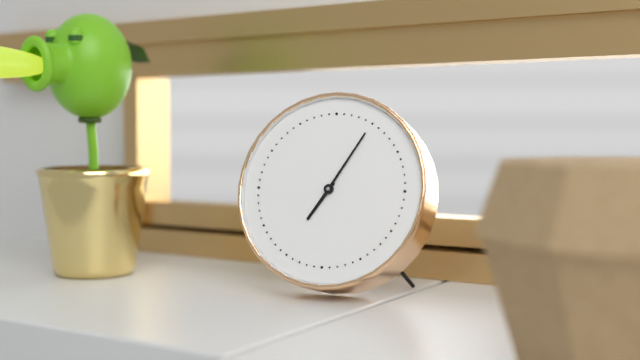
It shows 7h05
